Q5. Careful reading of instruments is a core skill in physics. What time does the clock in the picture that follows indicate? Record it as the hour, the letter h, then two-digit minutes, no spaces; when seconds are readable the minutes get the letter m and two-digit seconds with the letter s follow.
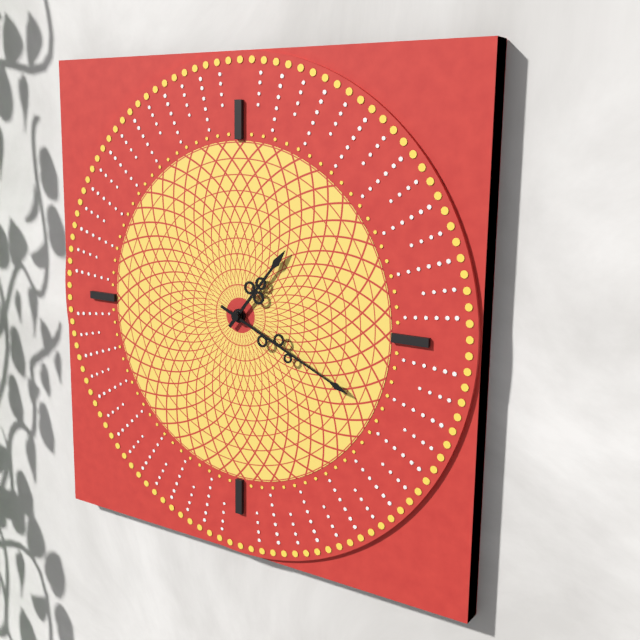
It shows 1h19
